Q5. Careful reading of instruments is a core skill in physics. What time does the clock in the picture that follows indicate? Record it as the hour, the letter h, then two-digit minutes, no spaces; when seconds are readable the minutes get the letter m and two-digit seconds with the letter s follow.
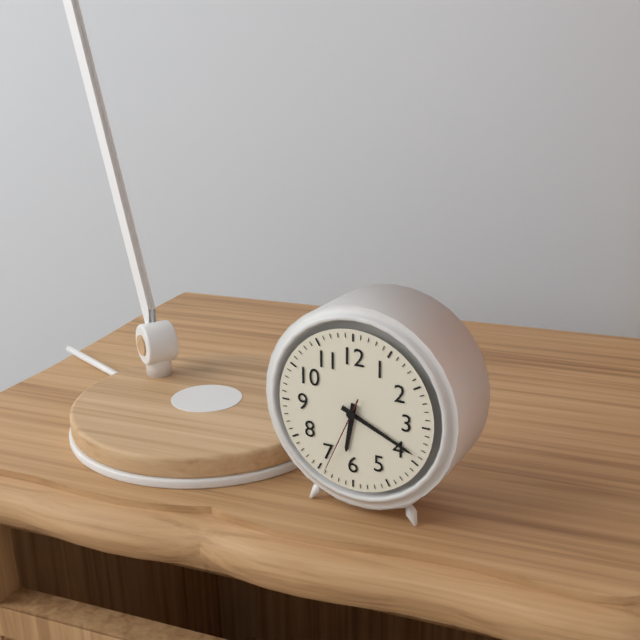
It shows 6h19m34s
